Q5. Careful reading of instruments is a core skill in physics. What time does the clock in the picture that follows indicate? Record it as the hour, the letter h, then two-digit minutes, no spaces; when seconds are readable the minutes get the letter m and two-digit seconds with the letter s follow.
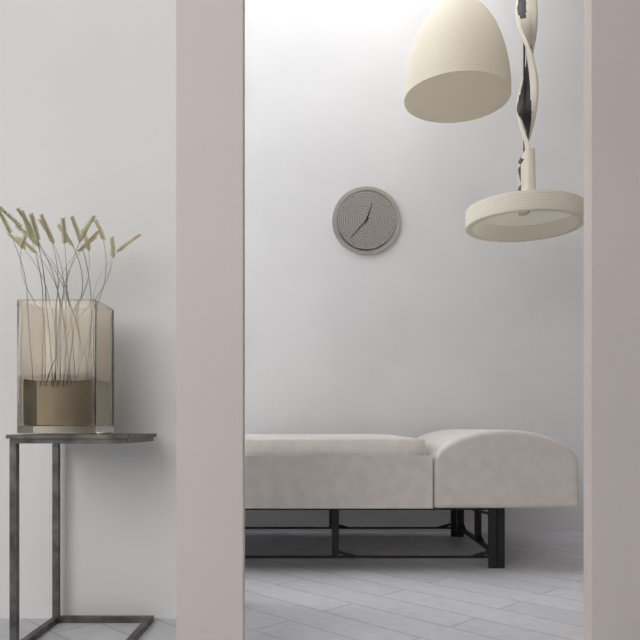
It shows 12h37
